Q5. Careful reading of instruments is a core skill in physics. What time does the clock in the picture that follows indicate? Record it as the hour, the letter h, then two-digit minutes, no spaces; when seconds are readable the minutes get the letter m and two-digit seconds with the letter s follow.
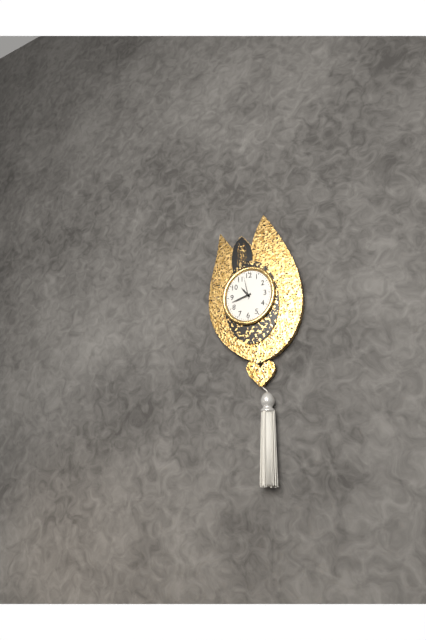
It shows 10h42
